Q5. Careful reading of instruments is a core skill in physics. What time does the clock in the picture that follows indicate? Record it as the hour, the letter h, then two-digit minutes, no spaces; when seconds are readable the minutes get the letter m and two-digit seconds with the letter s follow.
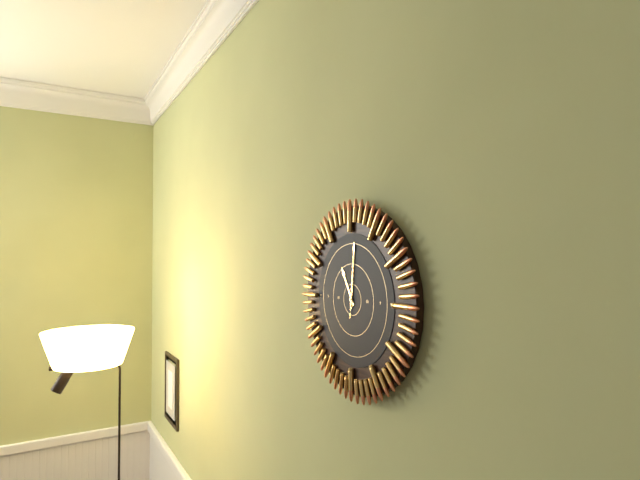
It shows 11h01m01s
